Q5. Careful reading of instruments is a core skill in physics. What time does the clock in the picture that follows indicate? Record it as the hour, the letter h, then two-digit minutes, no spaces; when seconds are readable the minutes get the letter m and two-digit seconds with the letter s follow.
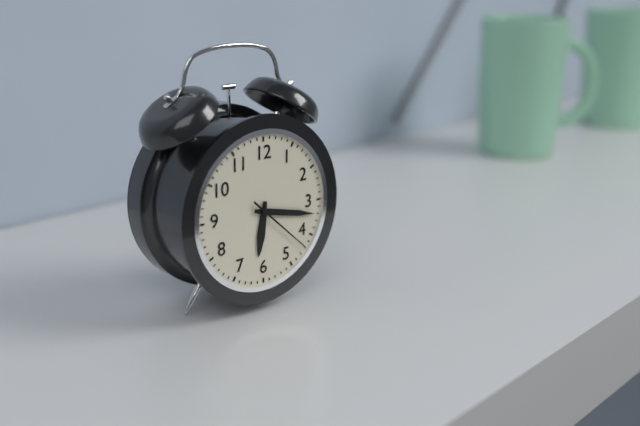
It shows 6h17m22s
